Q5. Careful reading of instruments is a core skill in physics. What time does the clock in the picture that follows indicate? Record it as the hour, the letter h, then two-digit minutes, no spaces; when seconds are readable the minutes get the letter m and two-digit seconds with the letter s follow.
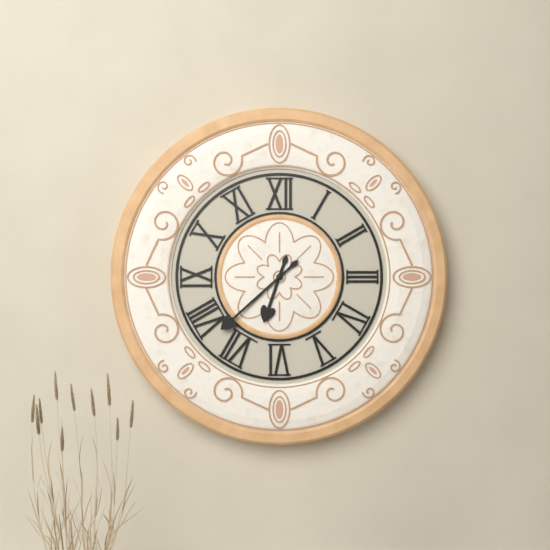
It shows 6h38
